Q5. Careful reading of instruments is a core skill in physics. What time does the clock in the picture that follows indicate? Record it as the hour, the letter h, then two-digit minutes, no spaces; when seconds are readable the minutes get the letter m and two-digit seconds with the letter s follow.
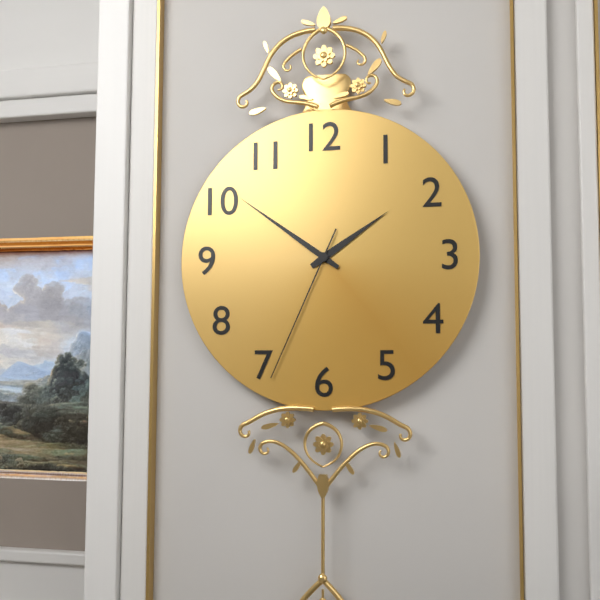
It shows 1h51m34s
